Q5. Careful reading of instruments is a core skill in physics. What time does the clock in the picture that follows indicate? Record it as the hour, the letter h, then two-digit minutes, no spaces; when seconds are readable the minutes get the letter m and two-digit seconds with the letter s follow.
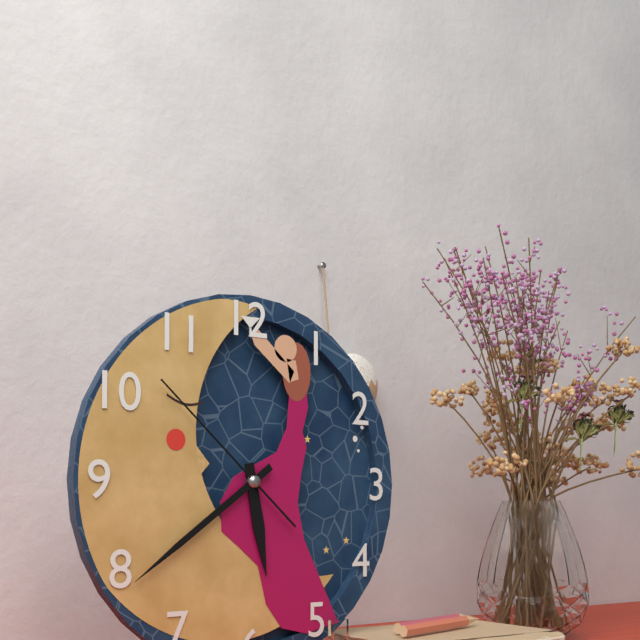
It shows 5h39m52s
